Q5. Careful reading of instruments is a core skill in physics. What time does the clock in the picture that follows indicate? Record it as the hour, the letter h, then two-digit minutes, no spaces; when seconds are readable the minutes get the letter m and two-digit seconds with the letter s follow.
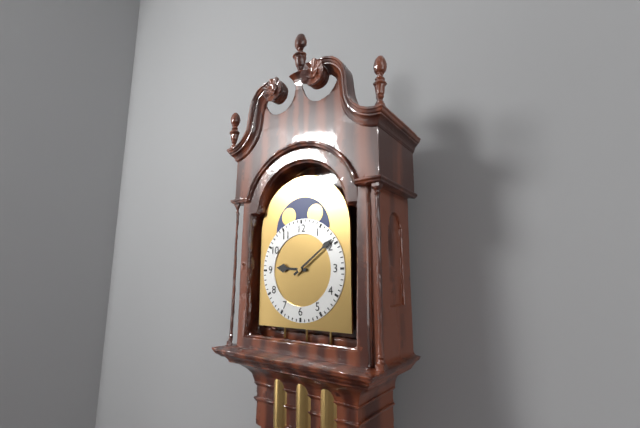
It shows 9h09
